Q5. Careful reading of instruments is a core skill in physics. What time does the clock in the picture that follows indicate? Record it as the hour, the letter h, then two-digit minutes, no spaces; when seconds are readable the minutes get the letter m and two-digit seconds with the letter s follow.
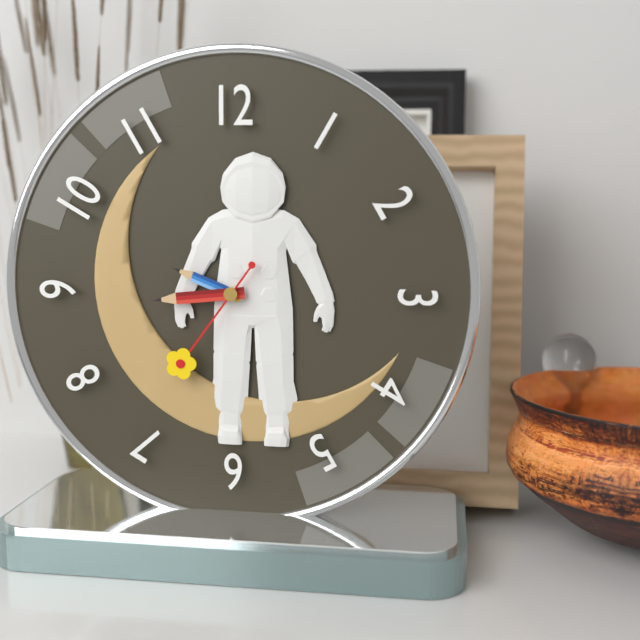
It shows 9h44m36s
